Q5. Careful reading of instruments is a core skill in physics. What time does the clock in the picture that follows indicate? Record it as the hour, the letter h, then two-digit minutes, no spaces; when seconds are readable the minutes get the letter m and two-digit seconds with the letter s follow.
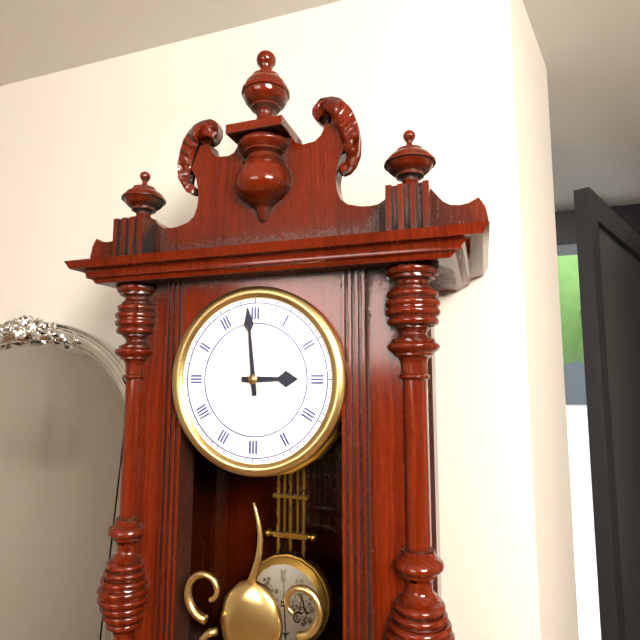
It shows 2h59
